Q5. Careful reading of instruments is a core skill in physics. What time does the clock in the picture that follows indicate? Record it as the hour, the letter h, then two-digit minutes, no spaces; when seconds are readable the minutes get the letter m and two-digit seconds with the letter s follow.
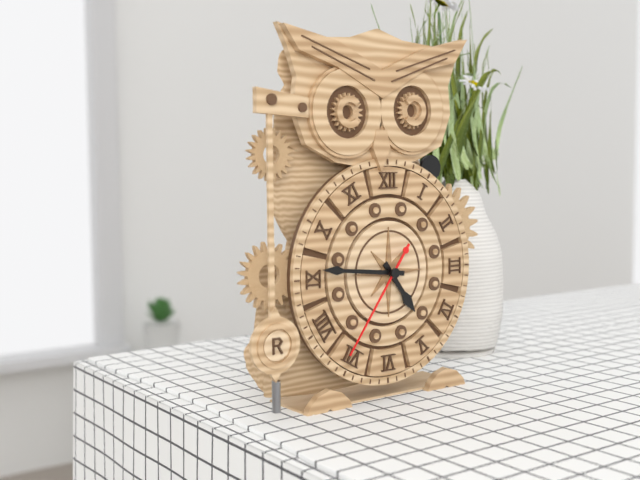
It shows 4h46m36s
